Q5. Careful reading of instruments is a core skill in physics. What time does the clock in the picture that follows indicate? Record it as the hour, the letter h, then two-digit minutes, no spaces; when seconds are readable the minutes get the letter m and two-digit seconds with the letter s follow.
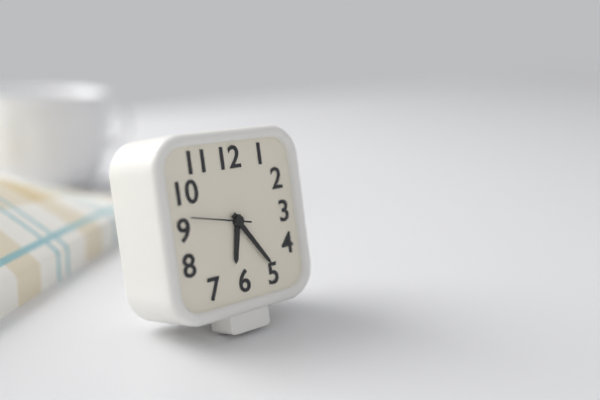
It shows 6h24m47s
